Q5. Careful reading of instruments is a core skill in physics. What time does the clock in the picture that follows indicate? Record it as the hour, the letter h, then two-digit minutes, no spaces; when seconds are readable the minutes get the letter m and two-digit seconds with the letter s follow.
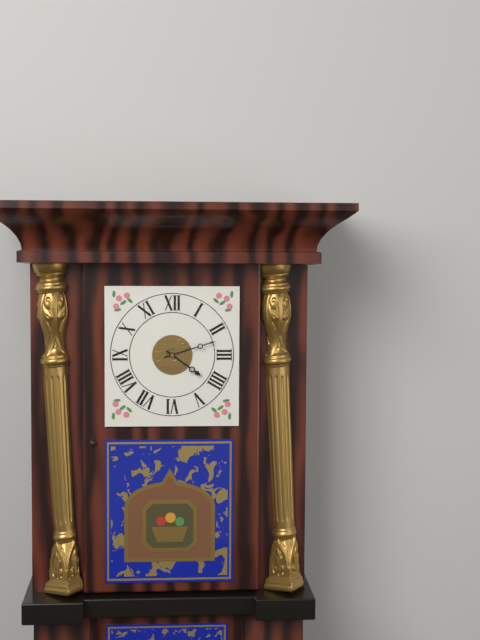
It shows 4h12
